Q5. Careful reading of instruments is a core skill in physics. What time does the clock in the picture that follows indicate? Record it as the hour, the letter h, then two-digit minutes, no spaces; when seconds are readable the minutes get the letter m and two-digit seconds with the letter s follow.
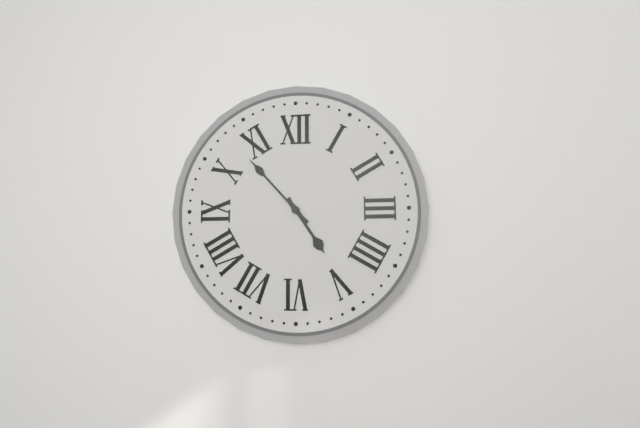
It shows 4h53
